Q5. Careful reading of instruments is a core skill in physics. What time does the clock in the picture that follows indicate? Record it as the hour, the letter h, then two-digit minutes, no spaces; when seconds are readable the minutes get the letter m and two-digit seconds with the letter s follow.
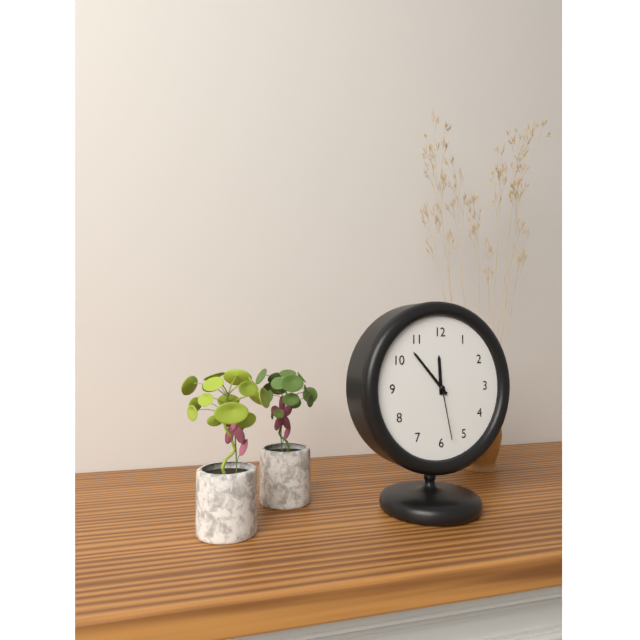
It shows 11h53m28s
